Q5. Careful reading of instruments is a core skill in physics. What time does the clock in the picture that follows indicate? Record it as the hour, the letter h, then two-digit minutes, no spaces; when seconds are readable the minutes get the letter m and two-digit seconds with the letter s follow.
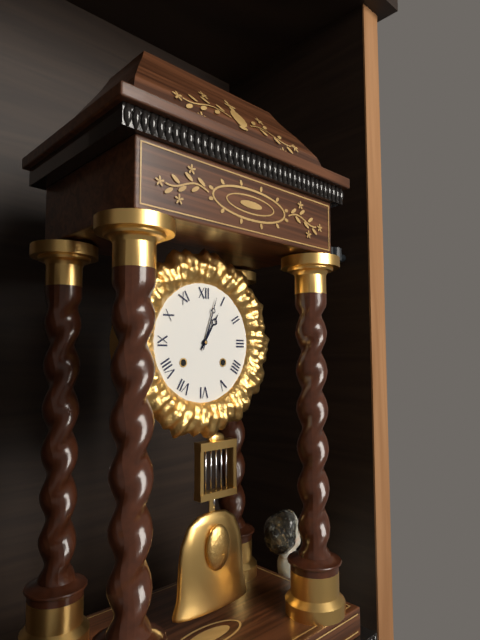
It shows 1h03
